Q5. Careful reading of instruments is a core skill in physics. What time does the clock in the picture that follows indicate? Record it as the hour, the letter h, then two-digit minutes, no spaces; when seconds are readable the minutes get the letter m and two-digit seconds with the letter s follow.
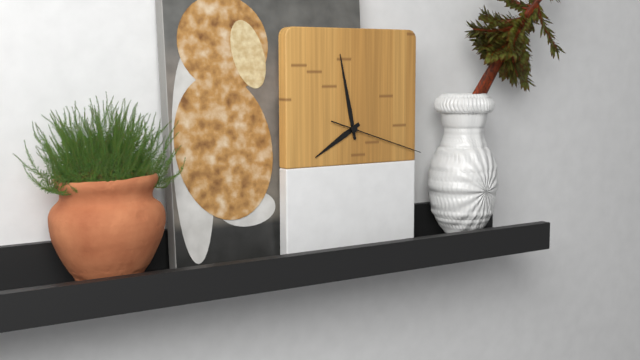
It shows 7h58m18s
